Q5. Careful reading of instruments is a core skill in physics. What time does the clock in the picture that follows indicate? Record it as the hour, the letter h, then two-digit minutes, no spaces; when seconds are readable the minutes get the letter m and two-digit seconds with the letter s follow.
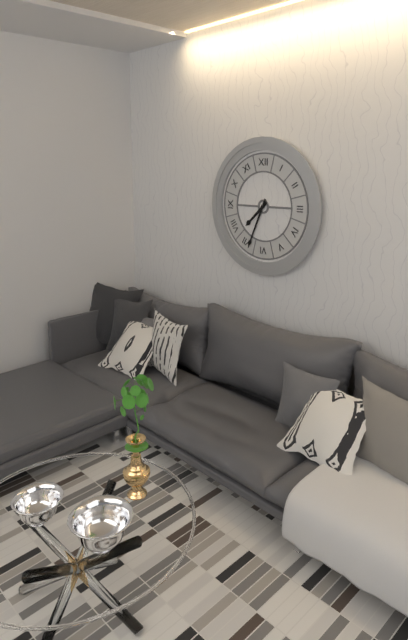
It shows 7h34
